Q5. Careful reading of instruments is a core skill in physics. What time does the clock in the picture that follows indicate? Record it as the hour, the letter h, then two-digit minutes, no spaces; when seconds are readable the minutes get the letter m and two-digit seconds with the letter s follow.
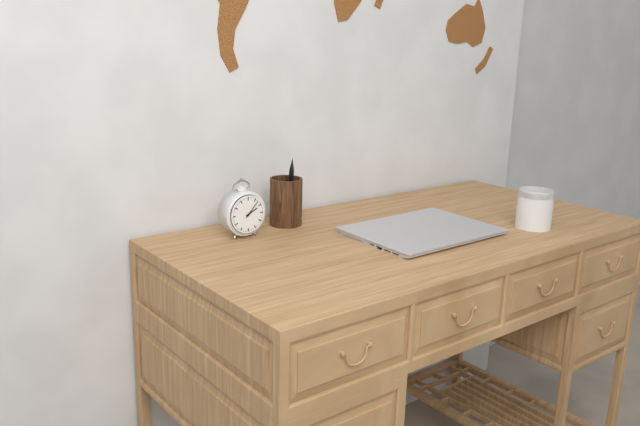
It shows 2h07
